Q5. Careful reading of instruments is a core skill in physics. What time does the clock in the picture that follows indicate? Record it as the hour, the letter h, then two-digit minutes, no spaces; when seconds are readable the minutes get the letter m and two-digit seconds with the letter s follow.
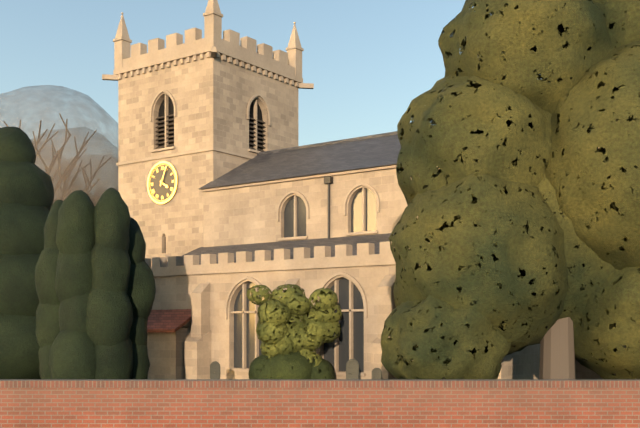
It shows 4h04
